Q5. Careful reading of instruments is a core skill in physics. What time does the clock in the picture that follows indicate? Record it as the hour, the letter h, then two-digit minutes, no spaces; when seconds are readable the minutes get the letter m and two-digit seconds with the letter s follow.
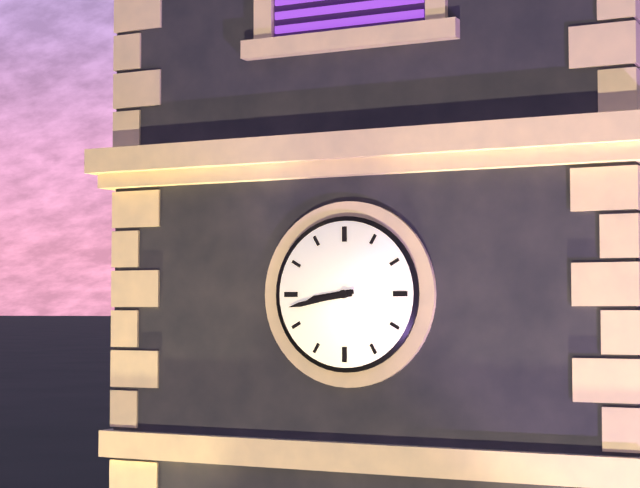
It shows 8h43
